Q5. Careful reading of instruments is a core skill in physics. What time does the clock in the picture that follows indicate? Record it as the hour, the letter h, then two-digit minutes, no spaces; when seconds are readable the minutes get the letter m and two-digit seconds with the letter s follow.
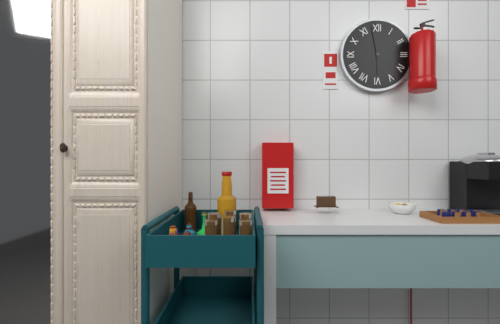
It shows 5h58
